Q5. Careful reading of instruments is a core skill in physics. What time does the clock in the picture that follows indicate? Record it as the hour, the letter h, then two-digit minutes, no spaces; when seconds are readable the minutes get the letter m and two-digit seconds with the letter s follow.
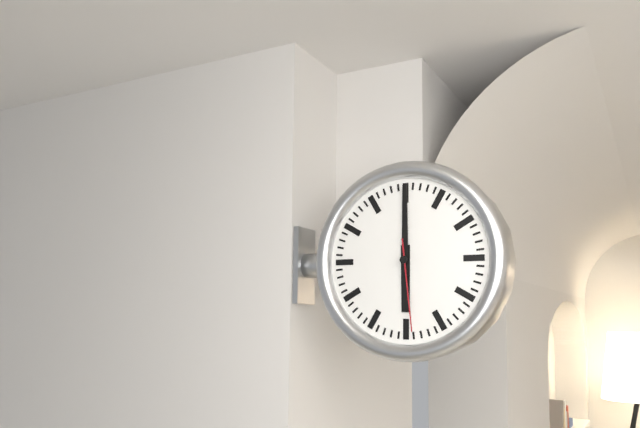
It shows 6h00m29s
